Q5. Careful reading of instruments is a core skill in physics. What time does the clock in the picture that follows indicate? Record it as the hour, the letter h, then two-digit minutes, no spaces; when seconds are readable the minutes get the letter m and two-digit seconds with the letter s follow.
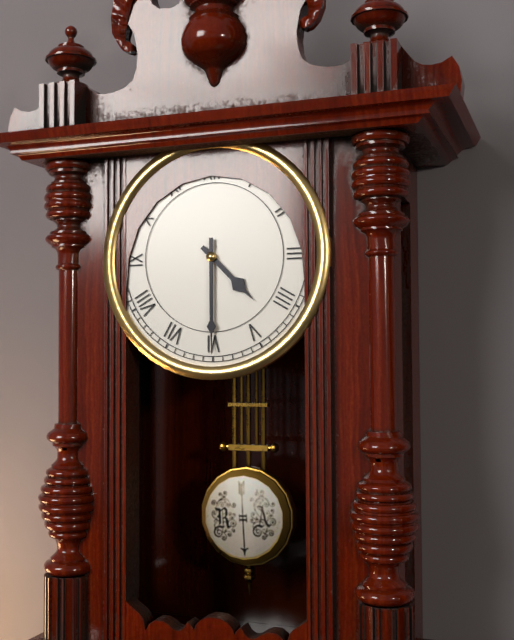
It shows 4h30
